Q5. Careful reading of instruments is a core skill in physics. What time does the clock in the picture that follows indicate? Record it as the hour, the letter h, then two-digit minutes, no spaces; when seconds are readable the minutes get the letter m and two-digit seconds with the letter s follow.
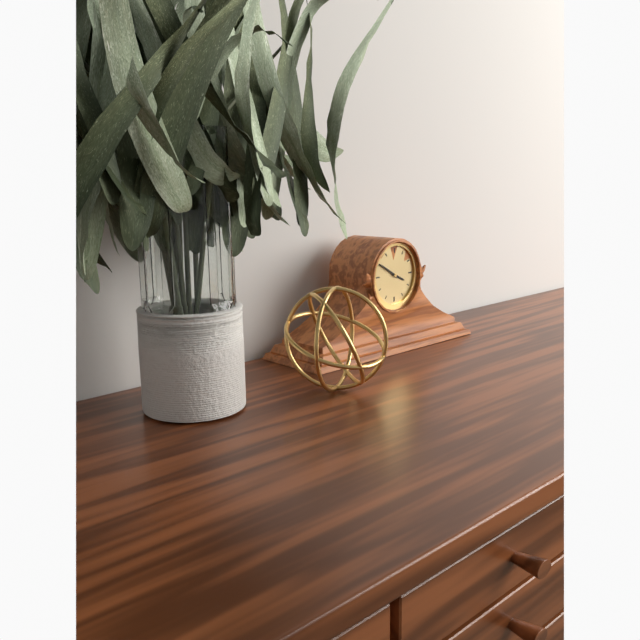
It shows 3h50
